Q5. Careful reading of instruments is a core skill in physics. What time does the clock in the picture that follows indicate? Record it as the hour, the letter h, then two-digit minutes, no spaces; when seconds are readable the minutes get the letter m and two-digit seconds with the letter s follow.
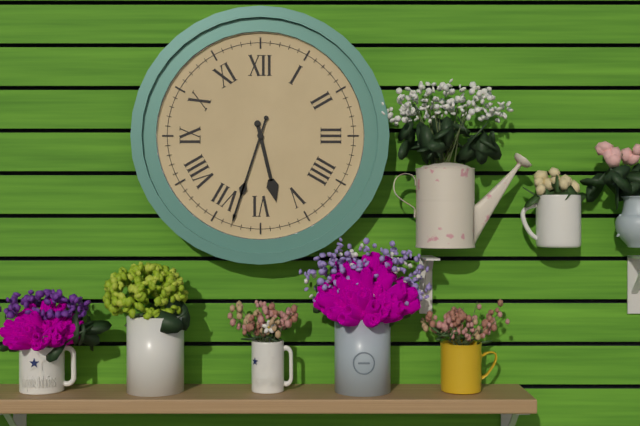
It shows 5h33
